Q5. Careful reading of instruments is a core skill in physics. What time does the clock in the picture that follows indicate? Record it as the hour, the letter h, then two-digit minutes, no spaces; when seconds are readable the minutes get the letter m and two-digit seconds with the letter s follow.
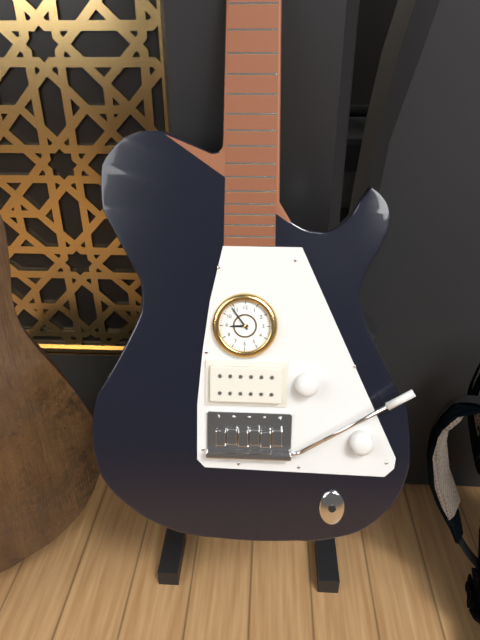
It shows 8h54
